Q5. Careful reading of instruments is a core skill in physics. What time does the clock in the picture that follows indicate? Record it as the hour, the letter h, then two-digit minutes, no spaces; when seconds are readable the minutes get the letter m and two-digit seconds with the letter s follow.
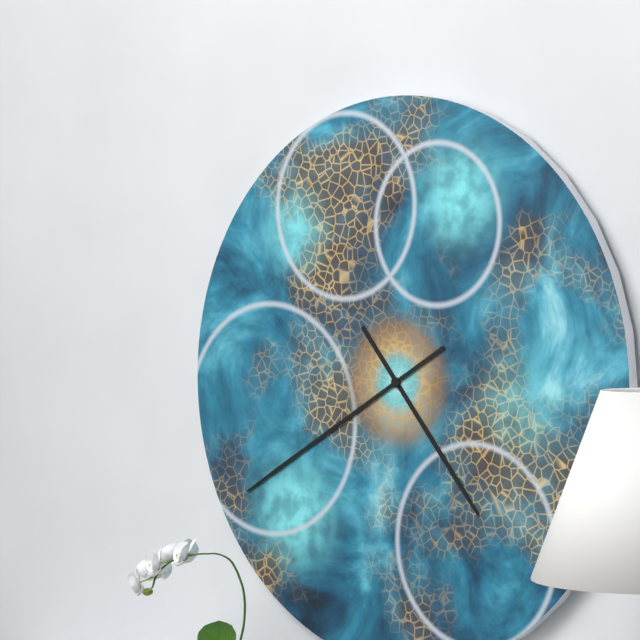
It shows 4h40
